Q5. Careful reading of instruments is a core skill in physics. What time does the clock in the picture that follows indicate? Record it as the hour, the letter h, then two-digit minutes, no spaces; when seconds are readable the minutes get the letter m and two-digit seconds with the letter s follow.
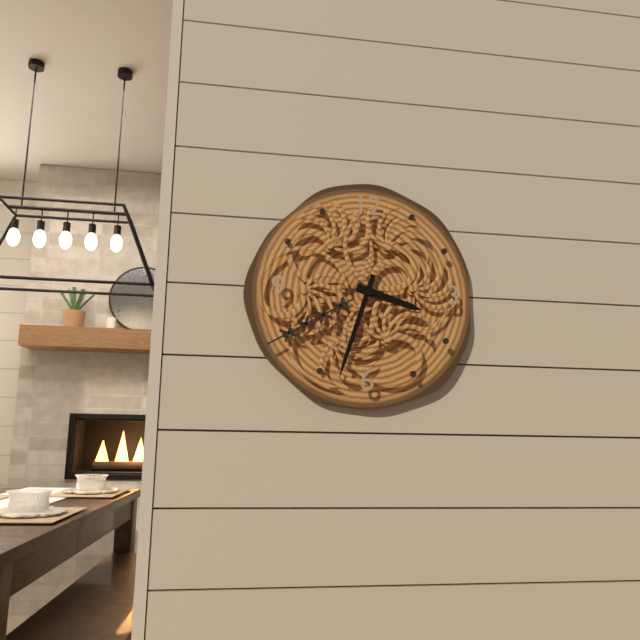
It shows 3h33
